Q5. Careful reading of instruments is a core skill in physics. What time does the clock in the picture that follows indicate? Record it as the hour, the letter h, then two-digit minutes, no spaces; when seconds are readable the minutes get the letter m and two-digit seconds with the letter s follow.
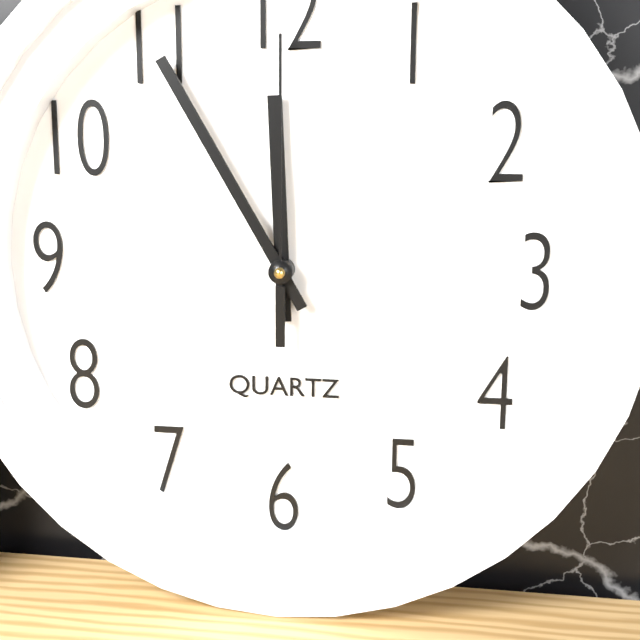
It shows 11h55m00s
